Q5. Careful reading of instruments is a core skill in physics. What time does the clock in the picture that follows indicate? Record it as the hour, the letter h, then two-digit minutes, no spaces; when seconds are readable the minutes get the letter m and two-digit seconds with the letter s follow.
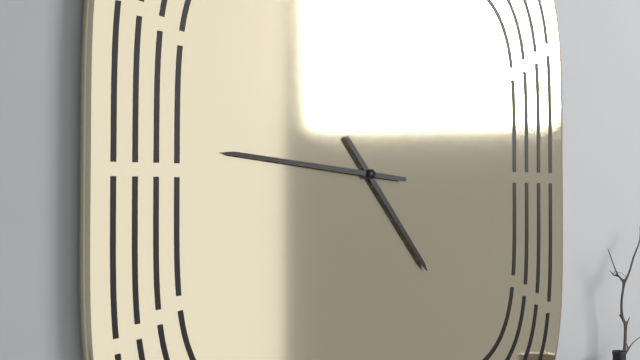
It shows 4h46
